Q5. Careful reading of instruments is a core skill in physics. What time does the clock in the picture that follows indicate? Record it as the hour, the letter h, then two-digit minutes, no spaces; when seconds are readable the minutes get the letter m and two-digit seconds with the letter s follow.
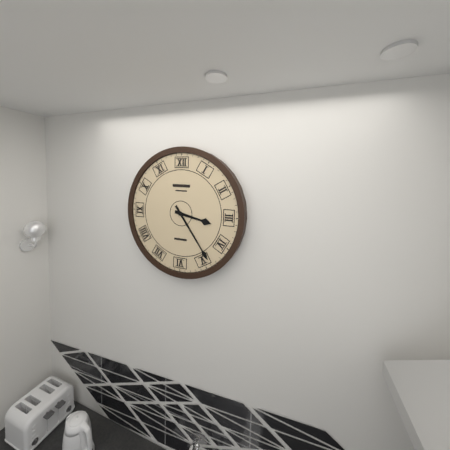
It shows 3h24
